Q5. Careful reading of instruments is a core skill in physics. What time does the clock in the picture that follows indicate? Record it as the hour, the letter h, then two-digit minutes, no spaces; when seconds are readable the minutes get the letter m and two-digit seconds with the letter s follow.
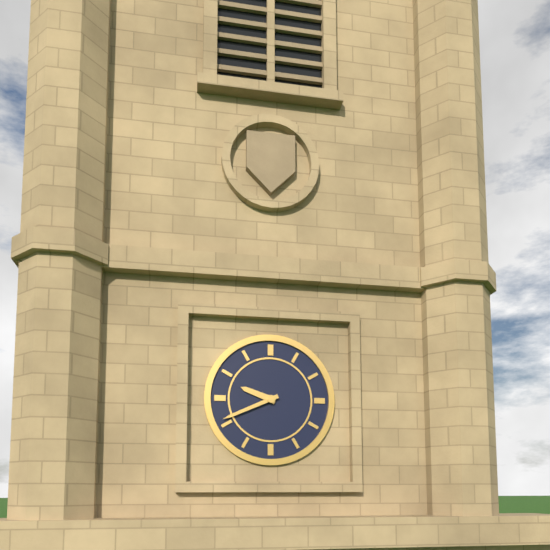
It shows 9h41
